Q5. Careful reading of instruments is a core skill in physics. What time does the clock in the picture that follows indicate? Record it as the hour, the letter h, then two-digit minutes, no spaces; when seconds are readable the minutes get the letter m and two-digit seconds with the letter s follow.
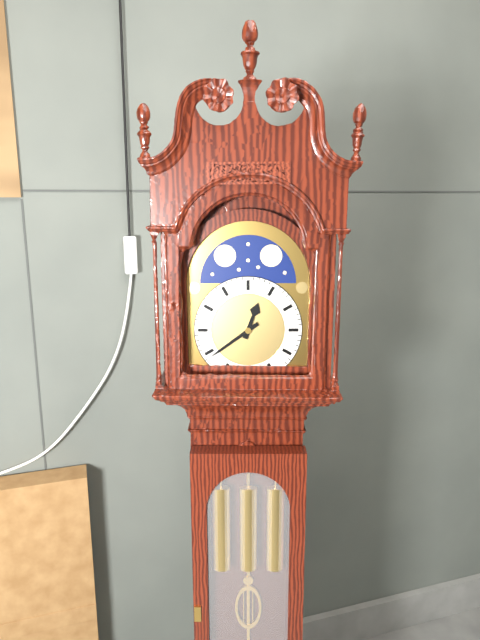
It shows 12h39
